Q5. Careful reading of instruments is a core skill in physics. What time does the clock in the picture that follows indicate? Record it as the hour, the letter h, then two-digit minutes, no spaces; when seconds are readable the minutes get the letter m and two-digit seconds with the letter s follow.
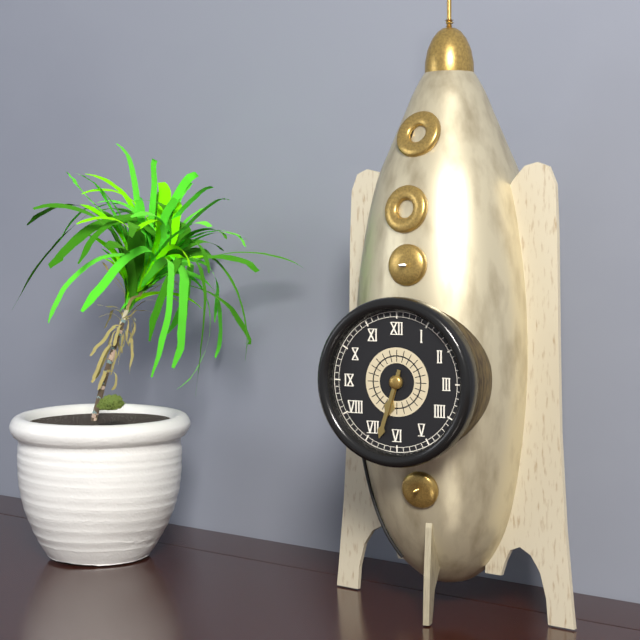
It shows 6h33
